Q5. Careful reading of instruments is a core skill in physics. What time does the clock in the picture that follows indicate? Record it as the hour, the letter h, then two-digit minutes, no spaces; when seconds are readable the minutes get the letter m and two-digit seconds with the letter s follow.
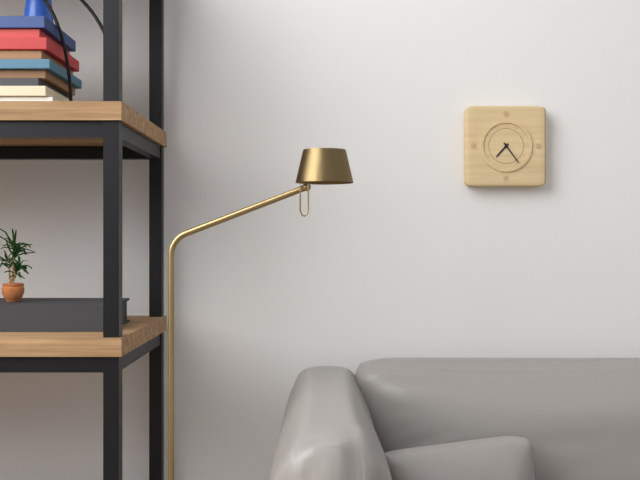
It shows 7h24
